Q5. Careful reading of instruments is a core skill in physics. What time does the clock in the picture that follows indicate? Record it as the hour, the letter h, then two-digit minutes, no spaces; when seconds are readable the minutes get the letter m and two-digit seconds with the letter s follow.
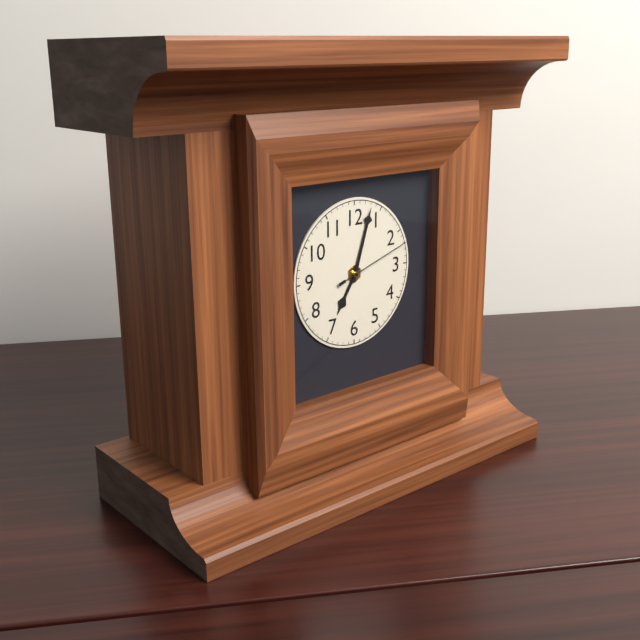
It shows 7h03m12s
